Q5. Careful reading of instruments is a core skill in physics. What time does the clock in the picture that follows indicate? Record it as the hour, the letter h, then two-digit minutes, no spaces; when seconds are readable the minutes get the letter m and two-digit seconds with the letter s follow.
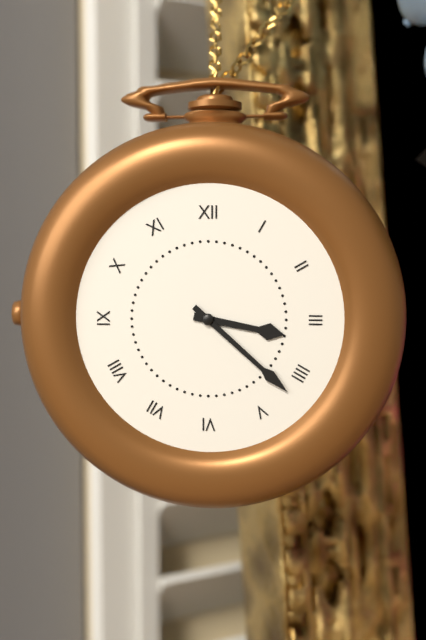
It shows 3h22
